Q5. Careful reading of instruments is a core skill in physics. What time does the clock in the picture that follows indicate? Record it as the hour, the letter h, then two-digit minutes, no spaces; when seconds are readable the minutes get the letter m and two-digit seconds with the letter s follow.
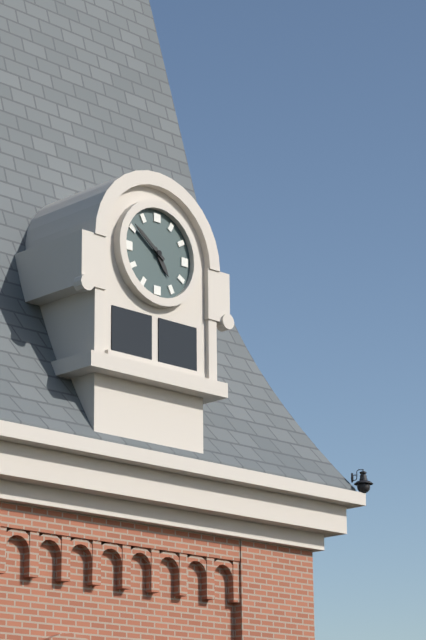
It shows 4h51
